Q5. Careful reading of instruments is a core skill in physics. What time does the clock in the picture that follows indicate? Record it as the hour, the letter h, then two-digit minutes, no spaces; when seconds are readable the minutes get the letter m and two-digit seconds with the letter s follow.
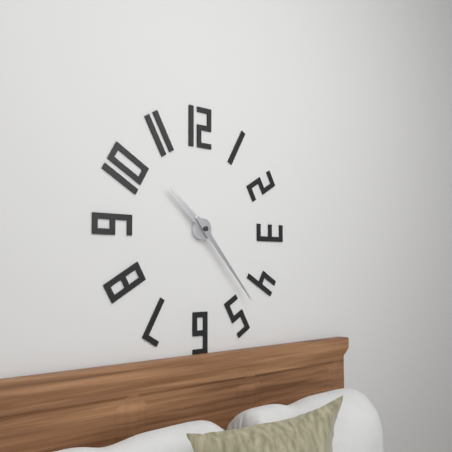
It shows 10h23
